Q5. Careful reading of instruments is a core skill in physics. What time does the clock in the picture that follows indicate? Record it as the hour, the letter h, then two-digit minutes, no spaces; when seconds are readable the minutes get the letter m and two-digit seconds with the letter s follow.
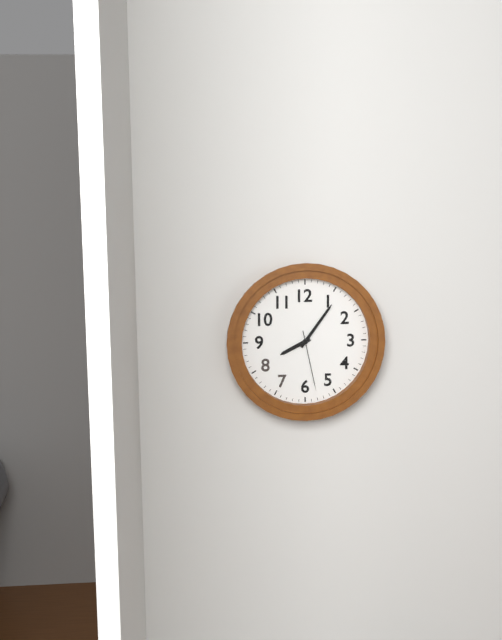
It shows 8h06m28s
